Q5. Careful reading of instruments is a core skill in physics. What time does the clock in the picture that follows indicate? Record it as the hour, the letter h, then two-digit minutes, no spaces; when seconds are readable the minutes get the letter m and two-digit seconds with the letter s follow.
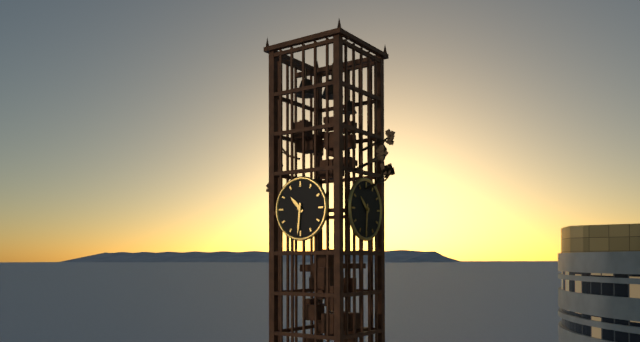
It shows 10h31
